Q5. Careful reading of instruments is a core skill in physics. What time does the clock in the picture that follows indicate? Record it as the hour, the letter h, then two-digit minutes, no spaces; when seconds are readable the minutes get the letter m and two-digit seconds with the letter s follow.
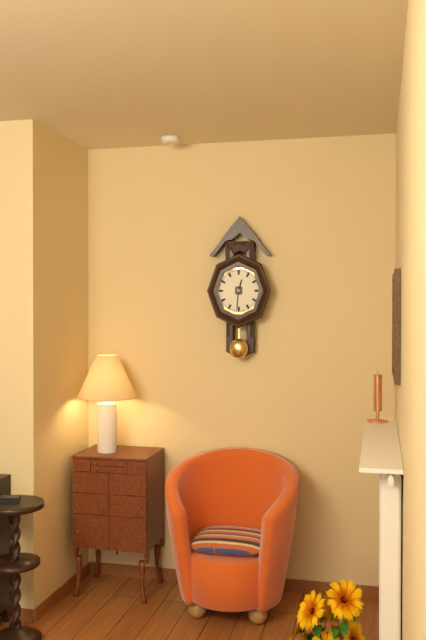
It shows 12h31
